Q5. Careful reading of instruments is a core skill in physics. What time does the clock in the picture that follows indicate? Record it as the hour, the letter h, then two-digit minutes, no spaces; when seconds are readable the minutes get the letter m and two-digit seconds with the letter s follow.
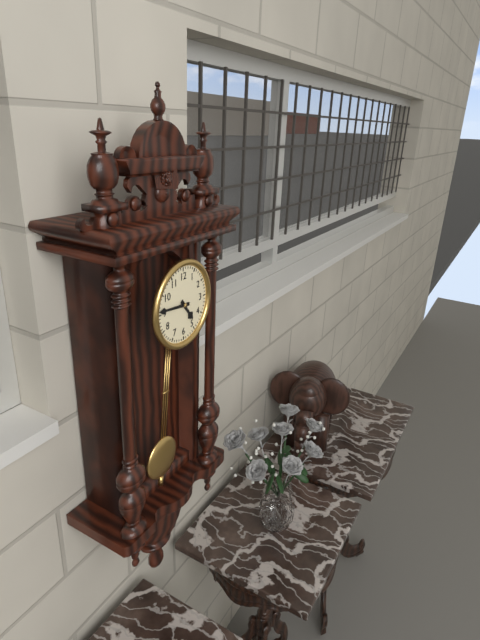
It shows 4h46
